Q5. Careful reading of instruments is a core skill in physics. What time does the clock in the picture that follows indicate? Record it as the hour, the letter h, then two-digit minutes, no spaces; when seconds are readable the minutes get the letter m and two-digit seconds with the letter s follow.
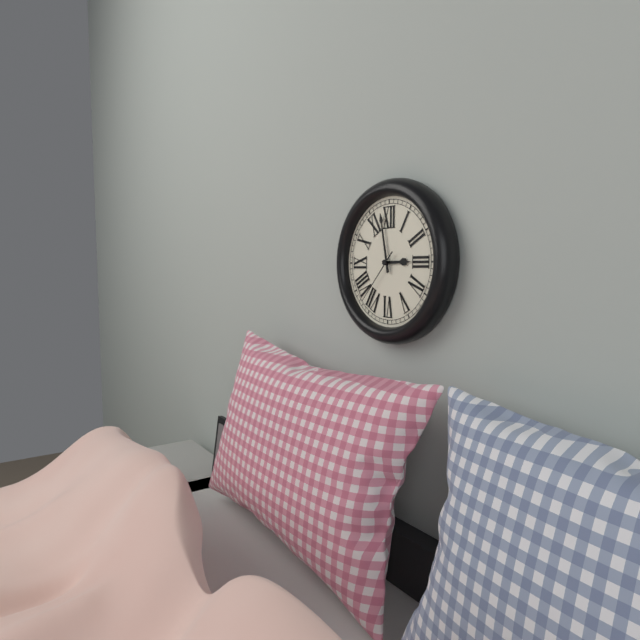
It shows 2h58m37s
